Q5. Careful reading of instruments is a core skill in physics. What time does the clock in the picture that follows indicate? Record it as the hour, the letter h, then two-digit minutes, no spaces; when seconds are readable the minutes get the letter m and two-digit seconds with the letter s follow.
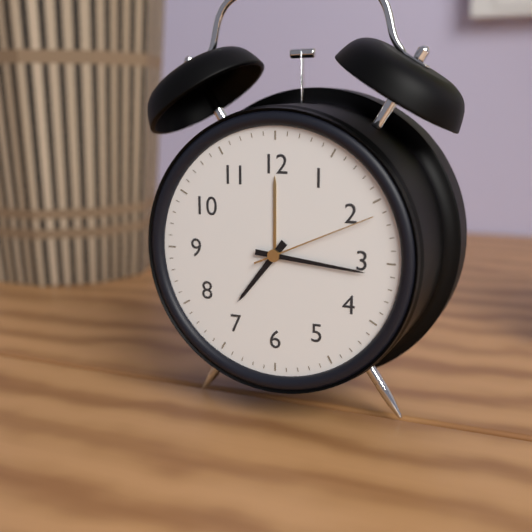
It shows 7h16m11s
